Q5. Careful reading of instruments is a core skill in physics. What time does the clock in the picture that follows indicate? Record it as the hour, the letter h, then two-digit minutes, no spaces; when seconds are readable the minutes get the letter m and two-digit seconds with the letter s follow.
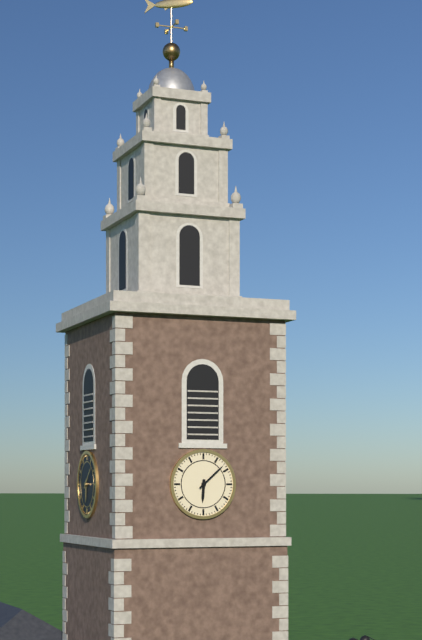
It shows 6h08
